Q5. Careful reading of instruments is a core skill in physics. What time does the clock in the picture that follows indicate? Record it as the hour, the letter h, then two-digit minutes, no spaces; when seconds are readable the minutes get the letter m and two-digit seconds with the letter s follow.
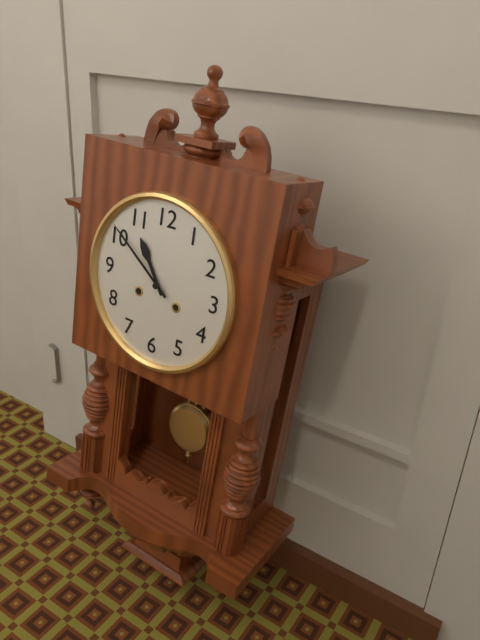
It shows 10h51
